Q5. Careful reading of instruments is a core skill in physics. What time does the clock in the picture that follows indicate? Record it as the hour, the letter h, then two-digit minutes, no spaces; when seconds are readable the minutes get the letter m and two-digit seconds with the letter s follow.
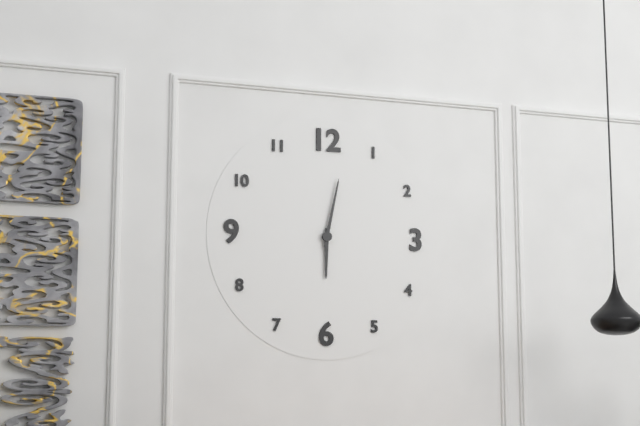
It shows 6h02
